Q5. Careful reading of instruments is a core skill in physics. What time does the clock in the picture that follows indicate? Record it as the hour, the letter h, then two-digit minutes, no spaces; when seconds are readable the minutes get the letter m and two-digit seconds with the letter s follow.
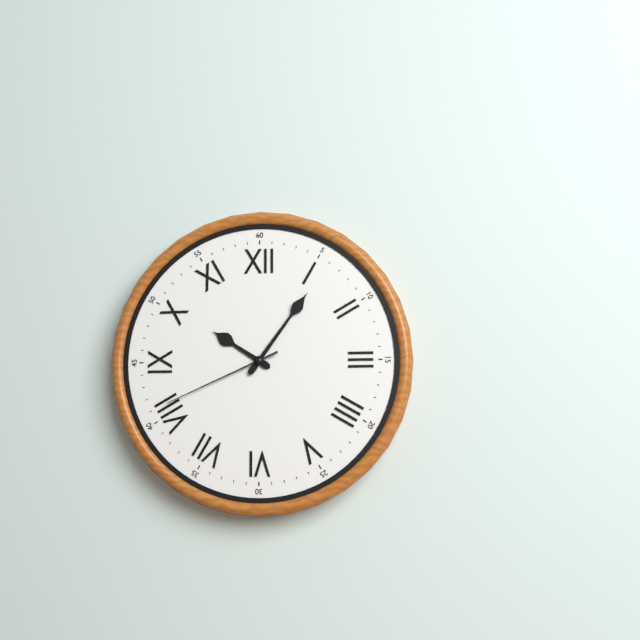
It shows 10h06m41s
